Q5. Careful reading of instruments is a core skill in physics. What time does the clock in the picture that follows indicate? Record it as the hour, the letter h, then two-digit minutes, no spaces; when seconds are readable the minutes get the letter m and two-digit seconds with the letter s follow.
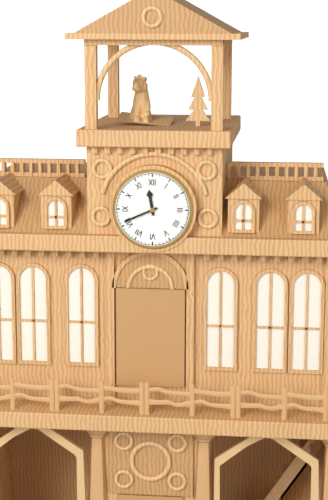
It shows 11h41
